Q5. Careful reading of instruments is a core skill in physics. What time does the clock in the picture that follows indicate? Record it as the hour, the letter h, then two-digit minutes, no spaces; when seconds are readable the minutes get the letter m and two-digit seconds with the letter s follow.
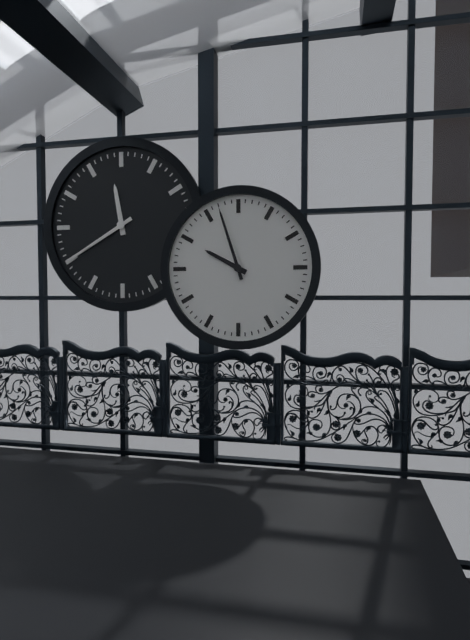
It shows 9h57
